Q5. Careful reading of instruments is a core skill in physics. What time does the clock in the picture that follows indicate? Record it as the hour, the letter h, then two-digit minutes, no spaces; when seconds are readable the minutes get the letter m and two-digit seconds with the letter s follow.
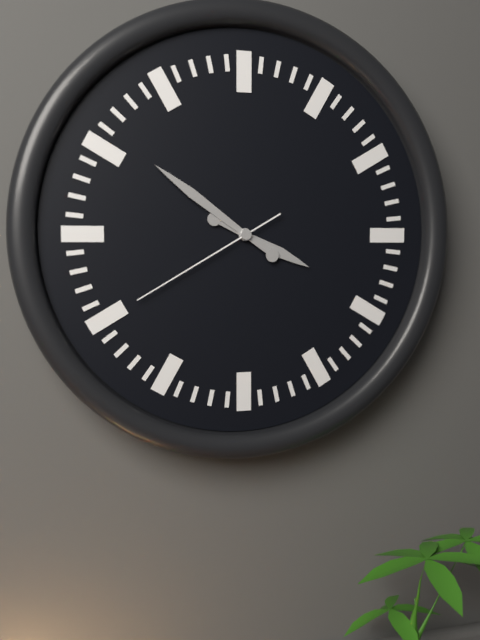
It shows 3h51m40s
